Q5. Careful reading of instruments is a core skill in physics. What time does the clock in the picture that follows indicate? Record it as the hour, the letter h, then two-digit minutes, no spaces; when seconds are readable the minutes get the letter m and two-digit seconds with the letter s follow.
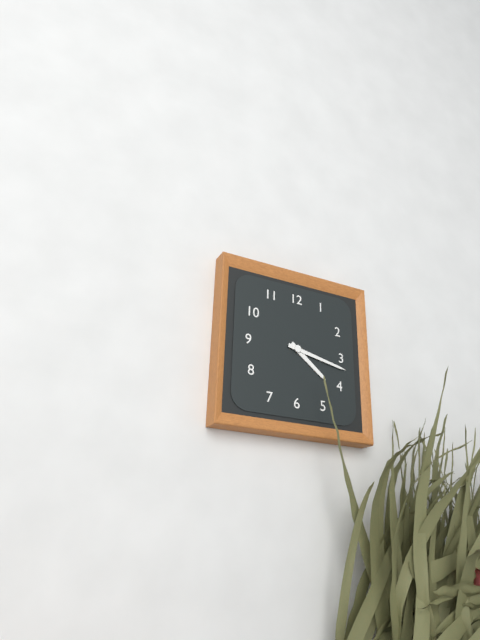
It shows 4h17
